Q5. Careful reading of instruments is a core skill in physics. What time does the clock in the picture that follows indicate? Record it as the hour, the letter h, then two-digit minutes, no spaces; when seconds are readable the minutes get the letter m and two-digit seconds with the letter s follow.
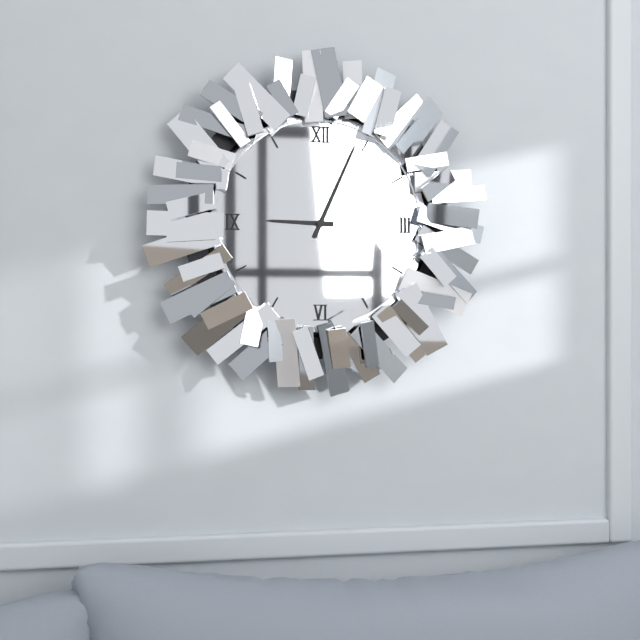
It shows 9h04
